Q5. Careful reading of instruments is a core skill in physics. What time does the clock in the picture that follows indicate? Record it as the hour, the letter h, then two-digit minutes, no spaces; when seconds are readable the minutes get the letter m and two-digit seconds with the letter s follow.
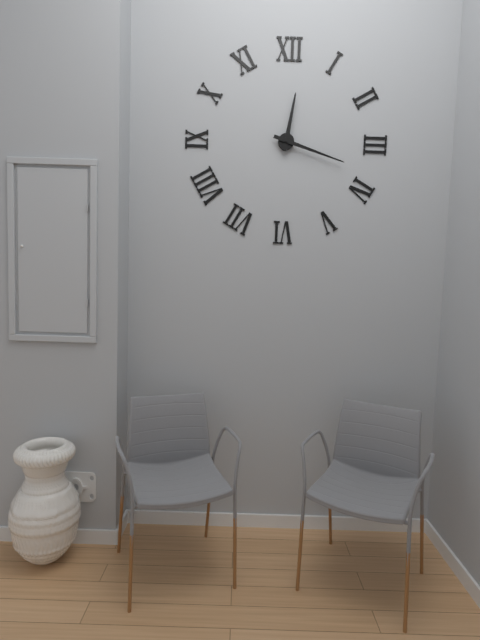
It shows 12h18
